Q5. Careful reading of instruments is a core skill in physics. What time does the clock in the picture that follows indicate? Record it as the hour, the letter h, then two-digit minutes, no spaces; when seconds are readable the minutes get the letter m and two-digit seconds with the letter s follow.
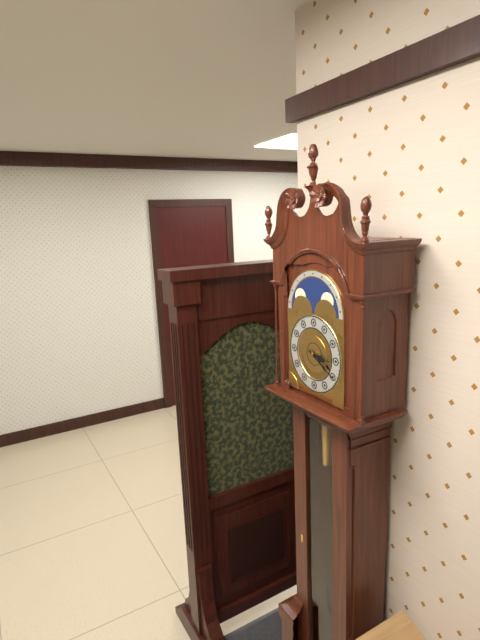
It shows 3h20
